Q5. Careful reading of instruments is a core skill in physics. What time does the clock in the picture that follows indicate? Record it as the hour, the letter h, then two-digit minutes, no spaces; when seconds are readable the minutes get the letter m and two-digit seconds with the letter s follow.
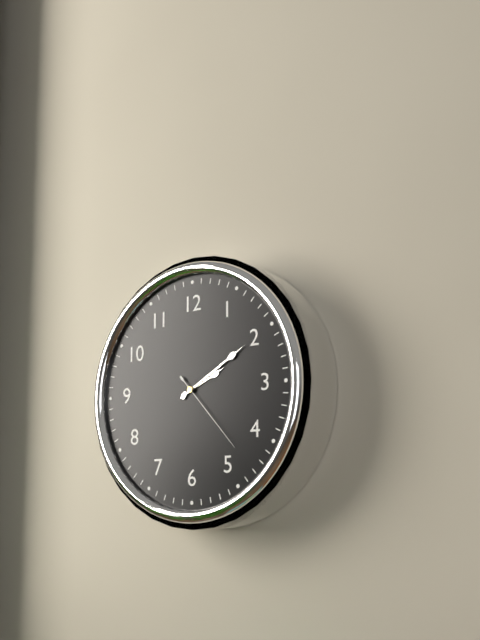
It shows 2h10m23s
